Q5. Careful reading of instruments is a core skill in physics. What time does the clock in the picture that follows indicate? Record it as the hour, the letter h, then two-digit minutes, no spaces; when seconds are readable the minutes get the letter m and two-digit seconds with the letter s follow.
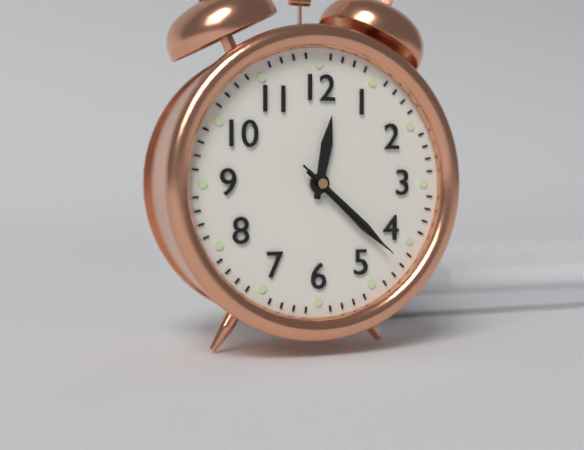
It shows 12h22m22s
